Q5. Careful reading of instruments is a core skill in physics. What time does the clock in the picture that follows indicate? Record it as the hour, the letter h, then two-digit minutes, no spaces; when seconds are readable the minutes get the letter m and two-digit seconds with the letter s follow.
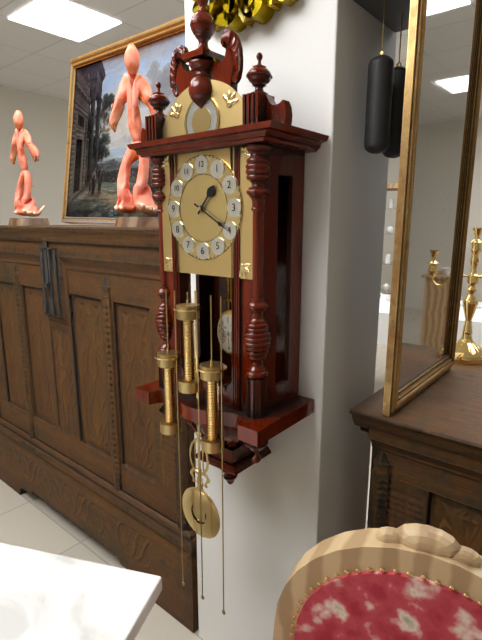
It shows 1h20
